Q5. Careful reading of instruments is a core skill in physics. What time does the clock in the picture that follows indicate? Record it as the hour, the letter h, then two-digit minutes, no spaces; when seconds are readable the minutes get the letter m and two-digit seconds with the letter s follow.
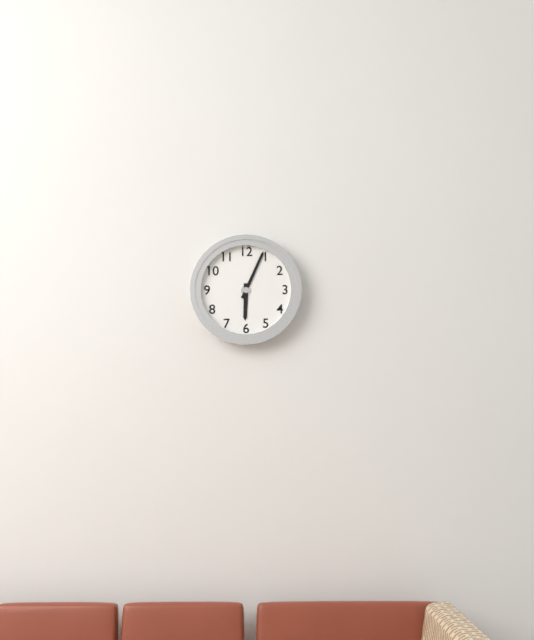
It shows 6h04
